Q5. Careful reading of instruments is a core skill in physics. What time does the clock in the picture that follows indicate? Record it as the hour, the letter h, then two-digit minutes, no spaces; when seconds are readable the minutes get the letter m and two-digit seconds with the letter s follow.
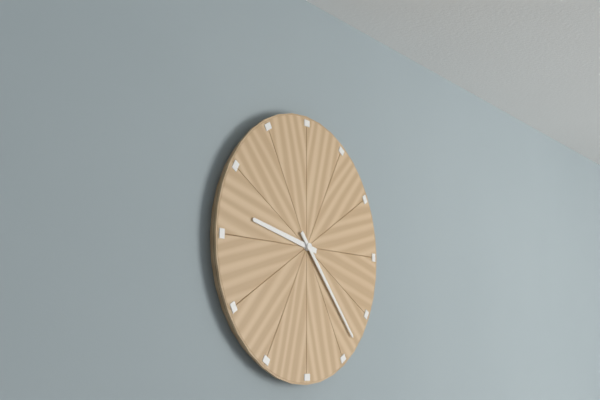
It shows 9h23
